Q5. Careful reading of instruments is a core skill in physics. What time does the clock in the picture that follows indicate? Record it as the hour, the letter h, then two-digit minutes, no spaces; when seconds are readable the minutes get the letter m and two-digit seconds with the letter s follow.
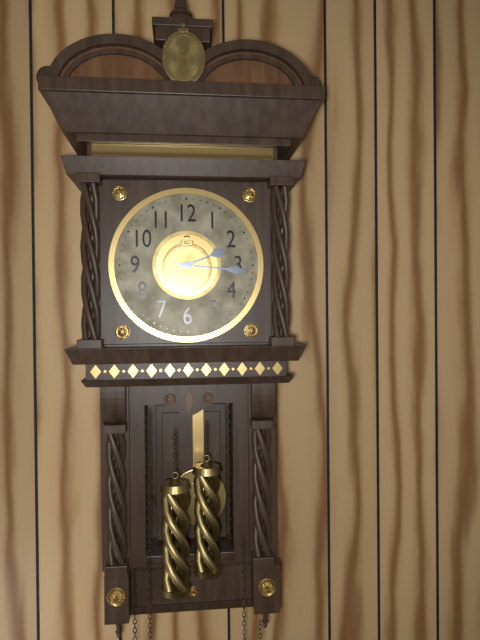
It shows 2h16
